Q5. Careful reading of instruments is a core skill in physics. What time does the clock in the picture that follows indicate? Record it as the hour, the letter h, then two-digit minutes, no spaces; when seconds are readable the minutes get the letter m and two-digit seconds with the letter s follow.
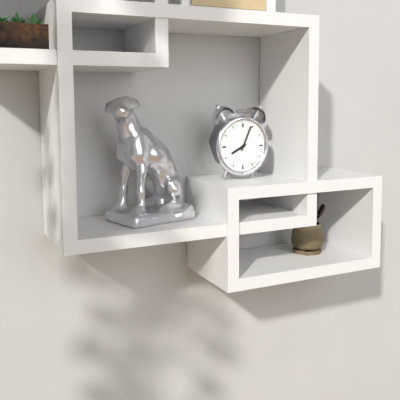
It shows 8h04
